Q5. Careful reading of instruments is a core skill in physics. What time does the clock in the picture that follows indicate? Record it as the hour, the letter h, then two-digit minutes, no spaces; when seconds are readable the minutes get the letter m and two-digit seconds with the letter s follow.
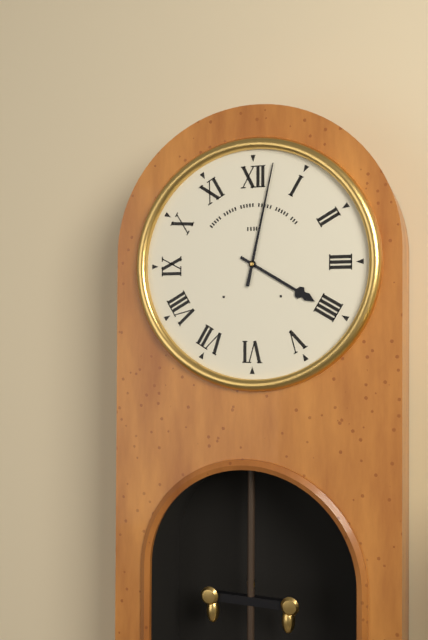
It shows 4h02
